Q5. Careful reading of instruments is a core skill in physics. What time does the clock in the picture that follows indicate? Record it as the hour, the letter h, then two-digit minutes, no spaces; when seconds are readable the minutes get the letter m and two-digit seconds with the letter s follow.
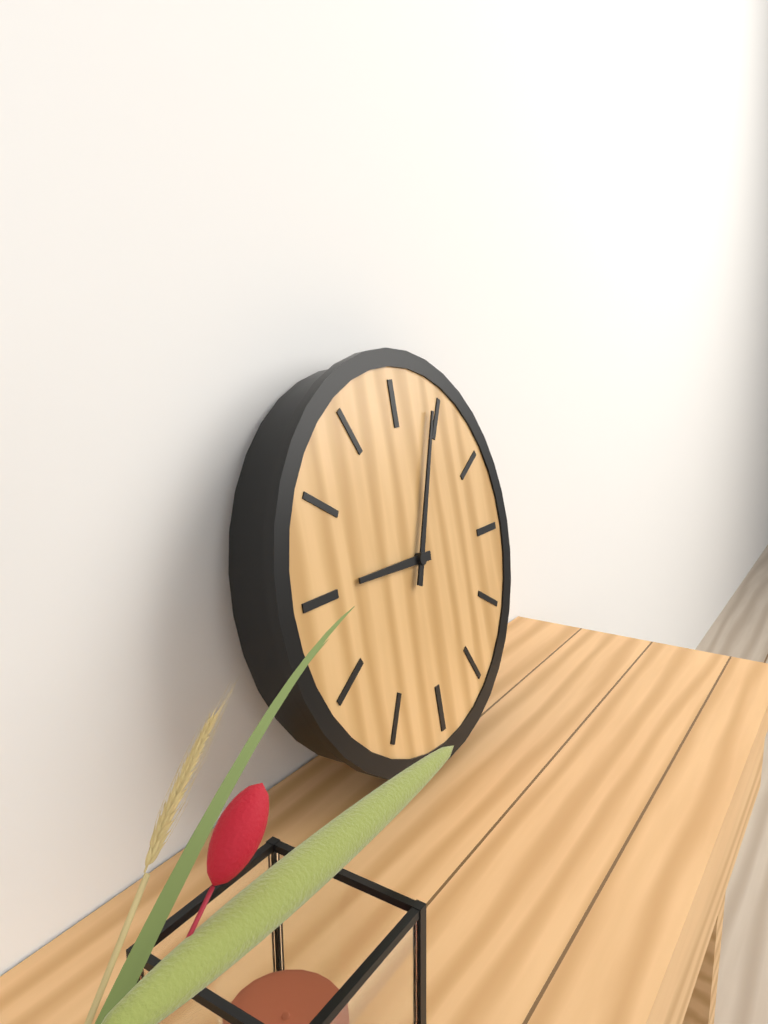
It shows 9h04
